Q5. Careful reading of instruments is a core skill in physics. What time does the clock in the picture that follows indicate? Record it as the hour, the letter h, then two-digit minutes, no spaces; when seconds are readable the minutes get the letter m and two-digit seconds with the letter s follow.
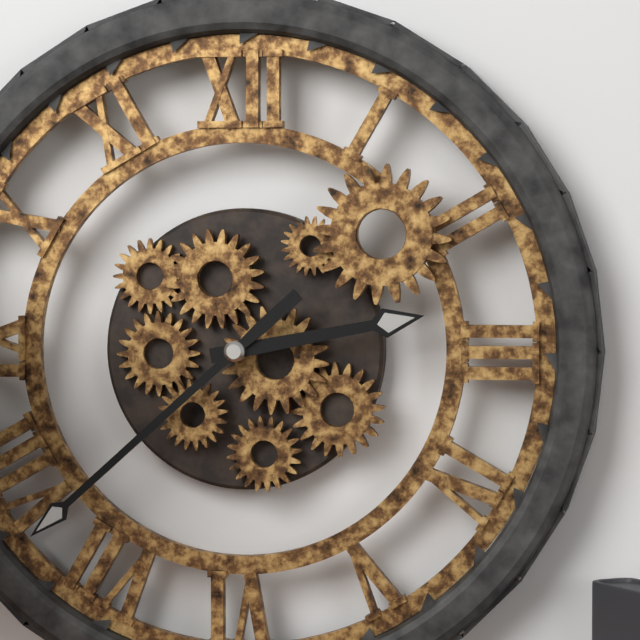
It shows 2h38
